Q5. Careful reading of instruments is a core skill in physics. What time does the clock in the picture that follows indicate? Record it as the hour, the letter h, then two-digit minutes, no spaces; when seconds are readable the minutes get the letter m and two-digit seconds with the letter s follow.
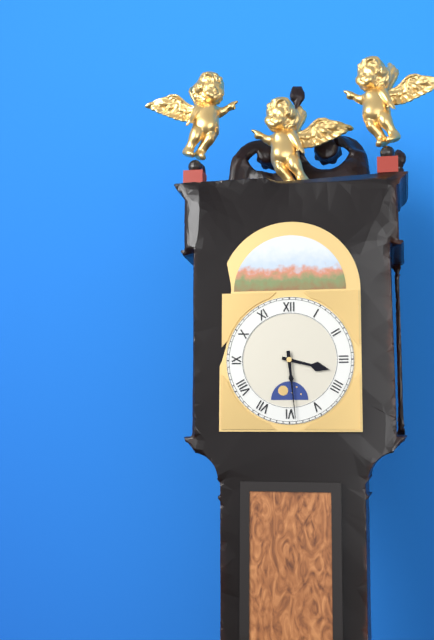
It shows 3h29
